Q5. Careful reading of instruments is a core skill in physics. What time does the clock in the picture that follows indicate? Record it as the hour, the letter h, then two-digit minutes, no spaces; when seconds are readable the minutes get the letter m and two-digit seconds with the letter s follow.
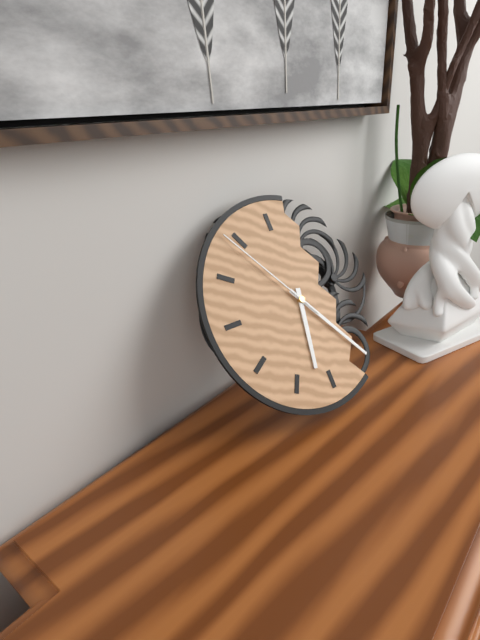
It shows 6h24m54s
